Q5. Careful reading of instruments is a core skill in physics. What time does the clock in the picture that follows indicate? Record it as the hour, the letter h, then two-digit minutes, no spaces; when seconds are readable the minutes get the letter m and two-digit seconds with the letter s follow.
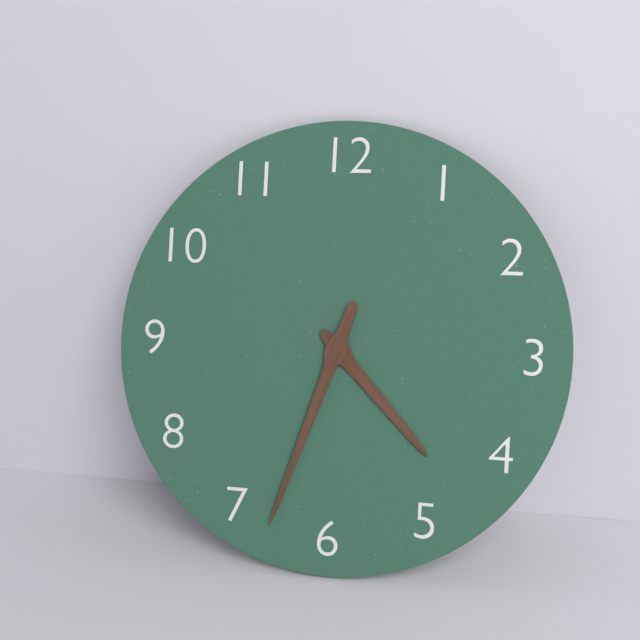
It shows 4h33
